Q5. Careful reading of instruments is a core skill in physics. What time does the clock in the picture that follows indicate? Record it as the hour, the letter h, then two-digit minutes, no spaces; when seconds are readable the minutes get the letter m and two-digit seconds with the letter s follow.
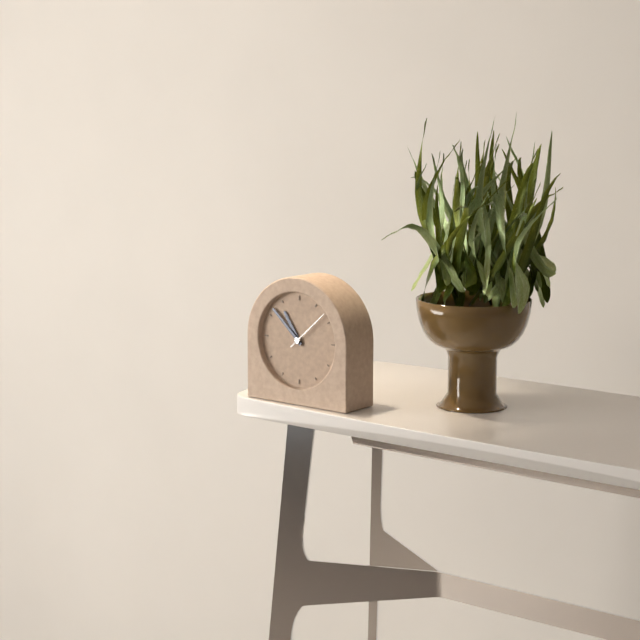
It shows 10h52
